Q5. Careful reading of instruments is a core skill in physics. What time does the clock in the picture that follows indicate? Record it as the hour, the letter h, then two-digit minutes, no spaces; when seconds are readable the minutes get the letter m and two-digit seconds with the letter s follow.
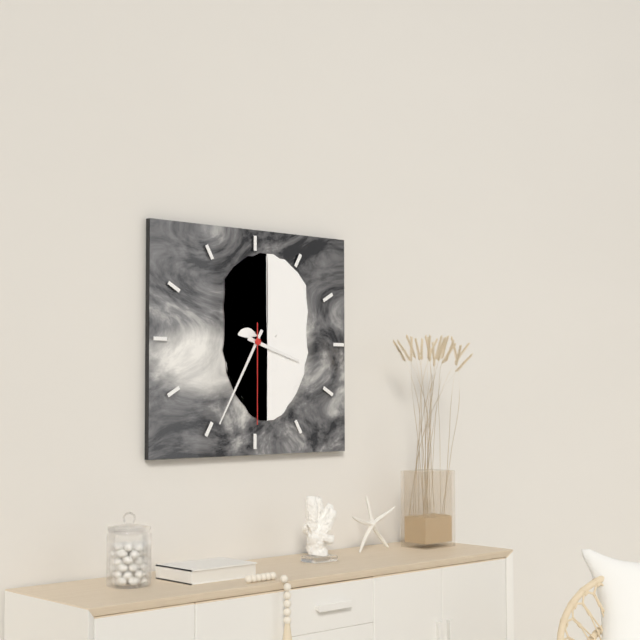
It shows 3h35m30s
